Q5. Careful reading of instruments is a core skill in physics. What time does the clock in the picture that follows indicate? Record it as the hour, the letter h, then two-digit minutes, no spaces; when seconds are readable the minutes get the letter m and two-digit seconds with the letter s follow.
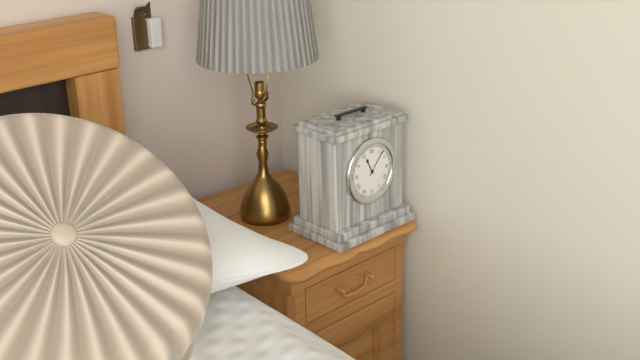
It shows 11h07
